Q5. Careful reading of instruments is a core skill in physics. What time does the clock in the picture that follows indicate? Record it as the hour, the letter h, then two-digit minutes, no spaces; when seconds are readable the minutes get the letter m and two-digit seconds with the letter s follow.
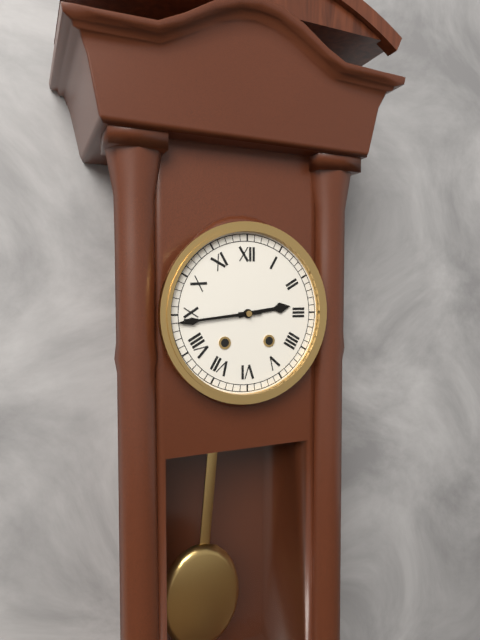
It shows 2h44
